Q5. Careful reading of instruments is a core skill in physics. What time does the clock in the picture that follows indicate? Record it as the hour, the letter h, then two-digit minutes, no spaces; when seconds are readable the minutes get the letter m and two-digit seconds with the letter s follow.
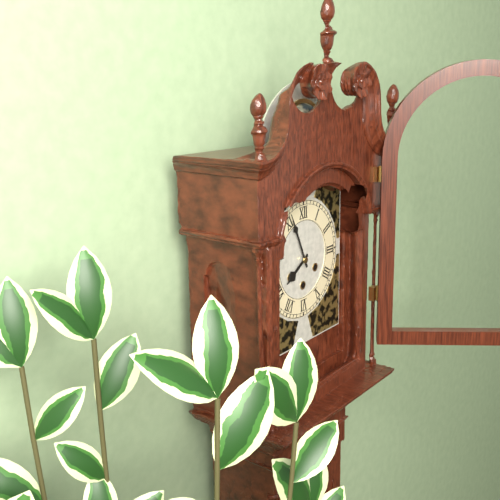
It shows 7h56
